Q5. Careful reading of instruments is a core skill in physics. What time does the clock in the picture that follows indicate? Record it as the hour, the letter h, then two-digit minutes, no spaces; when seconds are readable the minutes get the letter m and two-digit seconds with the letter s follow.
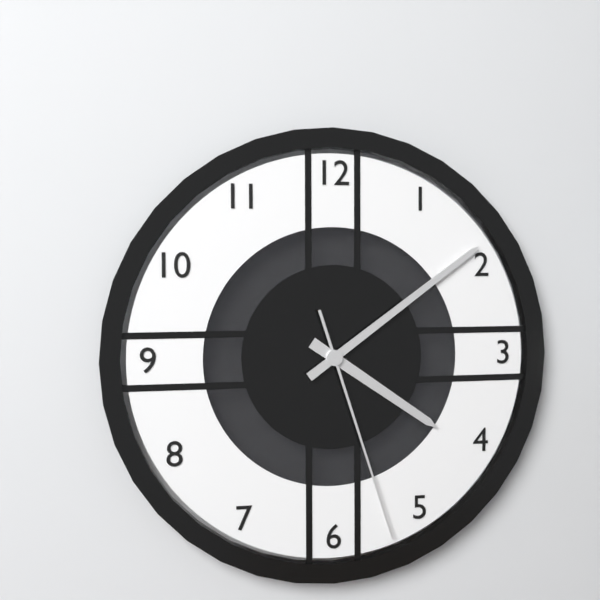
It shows 4h09m27s
